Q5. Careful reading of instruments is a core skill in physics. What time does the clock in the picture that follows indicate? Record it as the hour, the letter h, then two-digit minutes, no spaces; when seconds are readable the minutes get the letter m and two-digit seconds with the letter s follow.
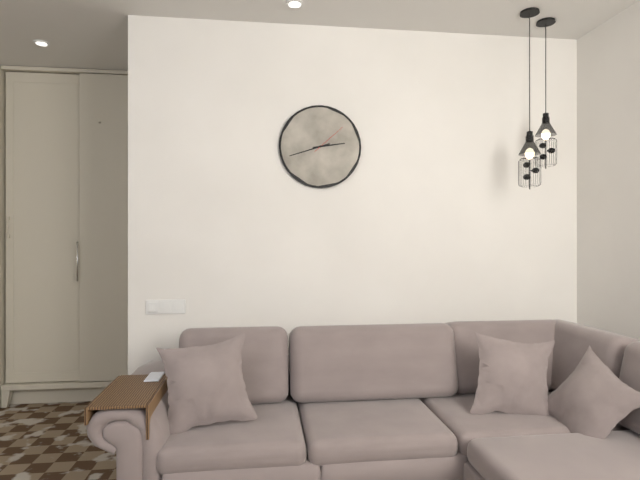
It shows 2h42
